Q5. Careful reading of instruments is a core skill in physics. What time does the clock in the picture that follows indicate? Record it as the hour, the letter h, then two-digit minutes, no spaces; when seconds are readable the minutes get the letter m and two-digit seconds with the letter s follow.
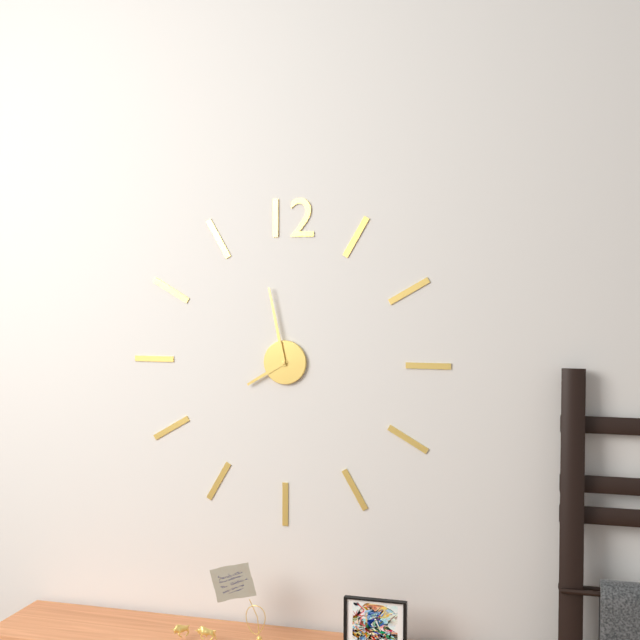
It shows 7h58
